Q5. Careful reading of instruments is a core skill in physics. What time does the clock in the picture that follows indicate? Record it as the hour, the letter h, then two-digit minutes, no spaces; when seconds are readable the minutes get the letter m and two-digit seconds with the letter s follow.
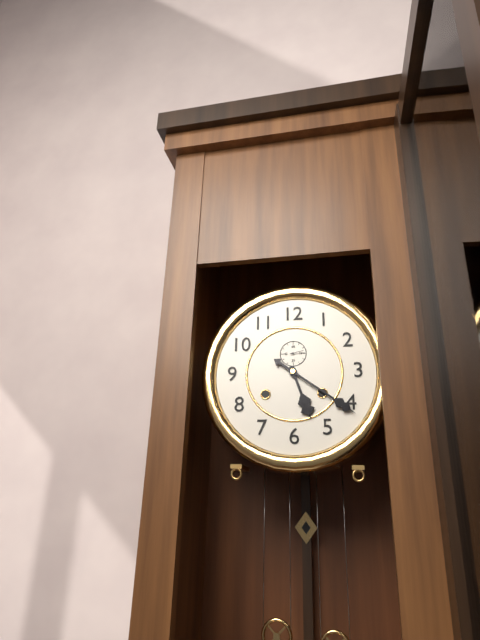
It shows 5h21
